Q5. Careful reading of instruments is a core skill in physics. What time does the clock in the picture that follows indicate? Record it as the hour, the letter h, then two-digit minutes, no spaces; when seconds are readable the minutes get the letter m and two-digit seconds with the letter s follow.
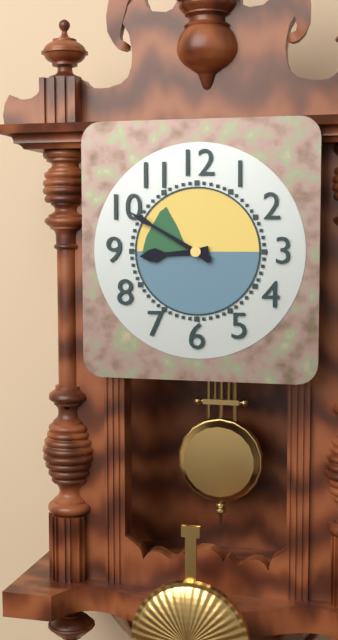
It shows 8h50
